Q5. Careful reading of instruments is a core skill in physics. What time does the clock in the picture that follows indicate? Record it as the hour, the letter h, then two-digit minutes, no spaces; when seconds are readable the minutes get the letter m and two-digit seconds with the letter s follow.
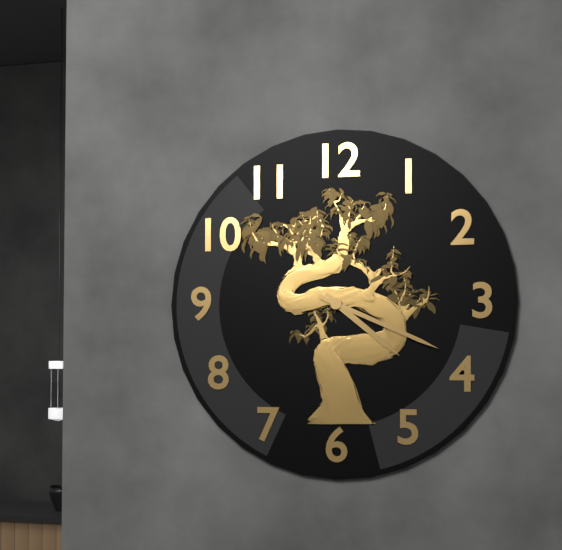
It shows 4h19
